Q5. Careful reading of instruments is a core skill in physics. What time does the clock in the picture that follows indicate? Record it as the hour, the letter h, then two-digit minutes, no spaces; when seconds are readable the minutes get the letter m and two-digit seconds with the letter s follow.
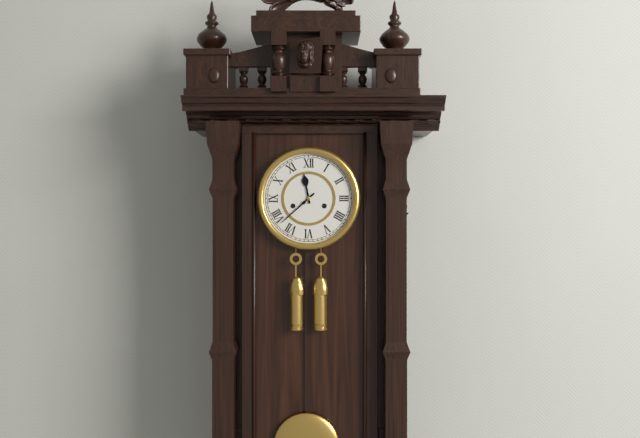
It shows 11h38
